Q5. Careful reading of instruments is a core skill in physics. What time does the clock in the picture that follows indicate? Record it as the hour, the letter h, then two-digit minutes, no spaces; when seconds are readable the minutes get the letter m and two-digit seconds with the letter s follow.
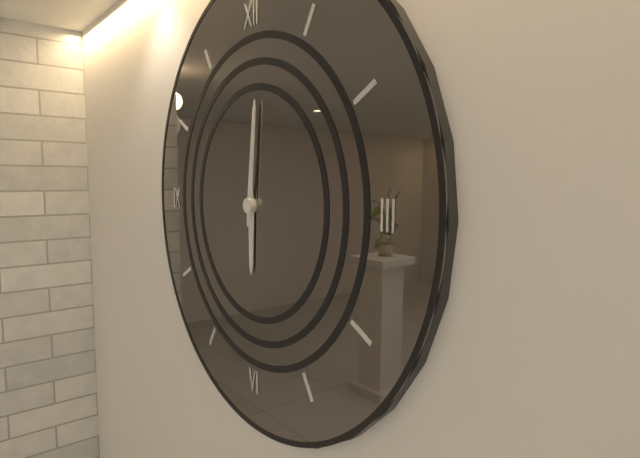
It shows 6h01
